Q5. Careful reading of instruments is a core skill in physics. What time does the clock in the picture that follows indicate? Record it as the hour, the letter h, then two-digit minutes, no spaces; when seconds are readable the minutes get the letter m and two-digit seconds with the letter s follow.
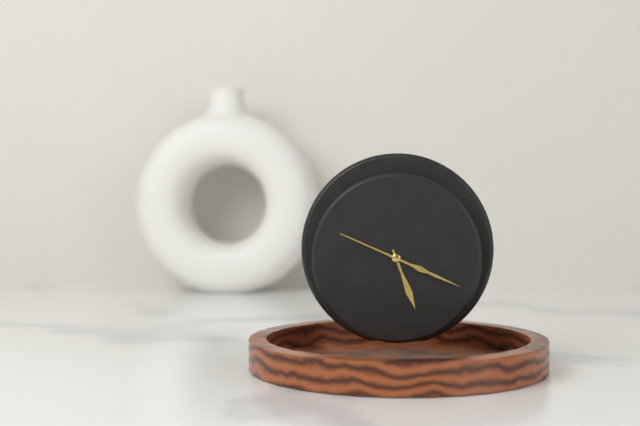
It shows 5h19
